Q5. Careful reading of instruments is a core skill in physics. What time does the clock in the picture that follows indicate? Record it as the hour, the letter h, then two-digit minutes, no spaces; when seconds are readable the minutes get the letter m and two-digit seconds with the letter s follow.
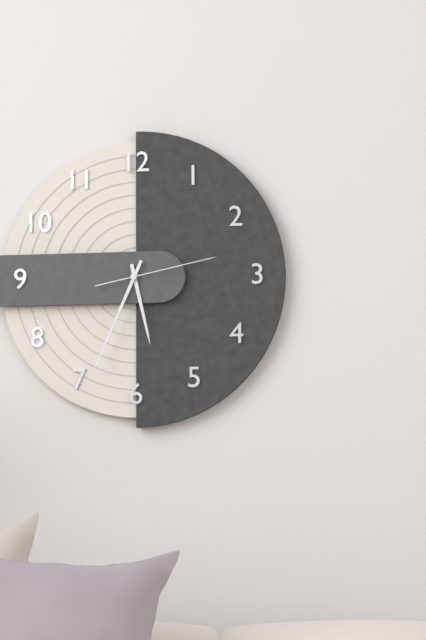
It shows 5h34m13s
